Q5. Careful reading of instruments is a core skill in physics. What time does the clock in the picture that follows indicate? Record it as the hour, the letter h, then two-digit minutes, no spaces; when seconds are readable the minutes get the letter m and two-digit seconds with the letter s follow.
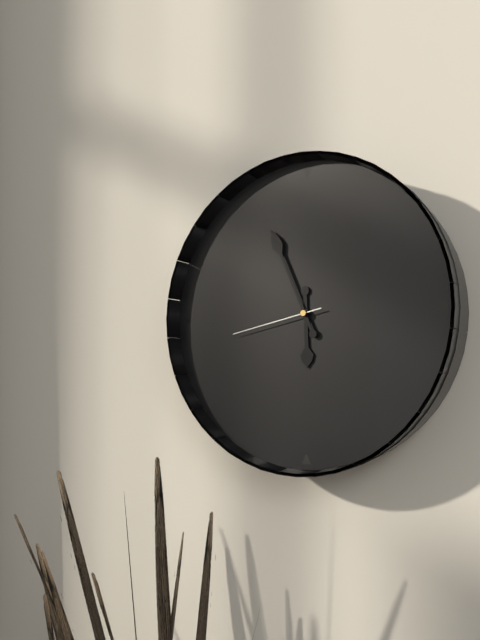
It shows 5h56m43s
